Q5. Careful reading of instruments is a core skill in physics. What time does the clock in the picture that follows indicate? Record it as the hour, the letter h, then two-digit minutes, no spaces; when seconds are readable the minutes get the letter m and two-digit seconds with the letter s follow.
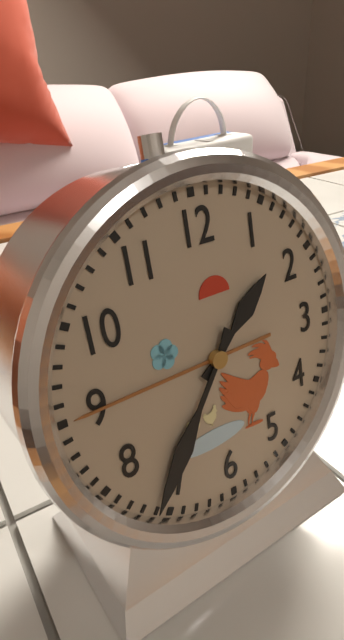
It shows 1h36
